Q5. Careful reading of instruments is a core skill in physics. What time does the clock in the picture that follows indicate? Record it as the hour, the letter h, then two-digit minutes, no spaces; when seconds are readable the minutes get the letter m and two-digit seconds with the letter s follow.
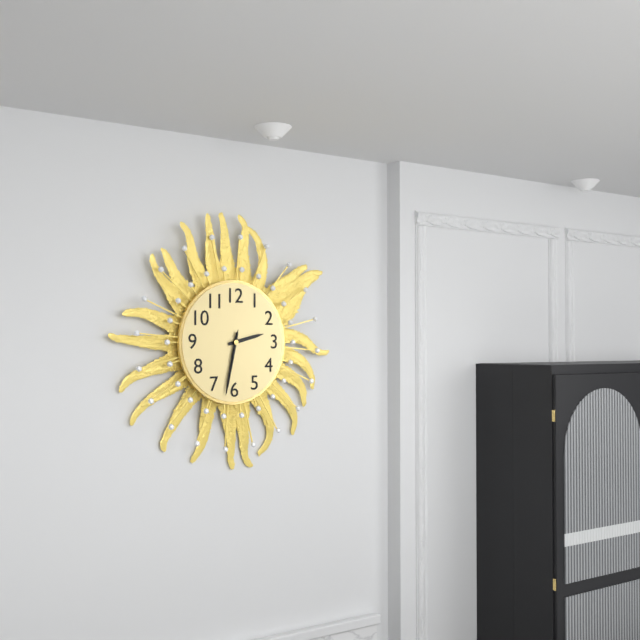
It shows 2h32m32s
